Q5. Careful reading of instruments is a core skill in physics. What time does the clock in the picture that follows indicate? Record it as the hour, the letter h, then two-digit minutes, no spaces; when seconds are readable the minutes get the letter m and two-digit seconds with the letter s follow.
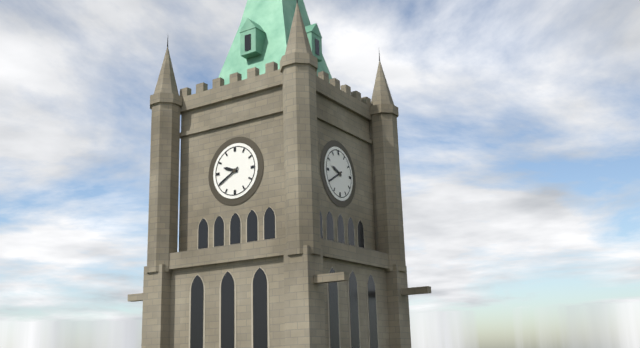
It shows 9h40
